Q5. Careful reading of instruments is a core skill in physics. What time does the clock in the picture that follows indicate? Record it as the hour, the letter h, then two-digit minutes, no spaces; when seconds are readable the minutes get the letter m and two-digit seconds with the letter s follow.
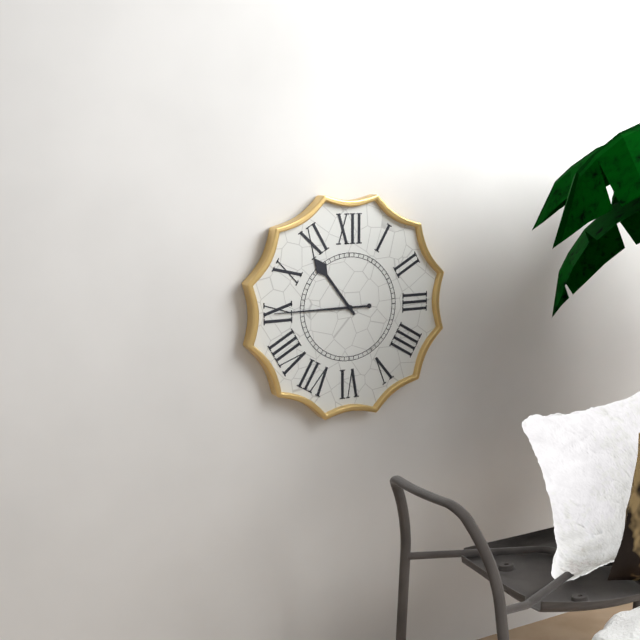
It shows 10h45
